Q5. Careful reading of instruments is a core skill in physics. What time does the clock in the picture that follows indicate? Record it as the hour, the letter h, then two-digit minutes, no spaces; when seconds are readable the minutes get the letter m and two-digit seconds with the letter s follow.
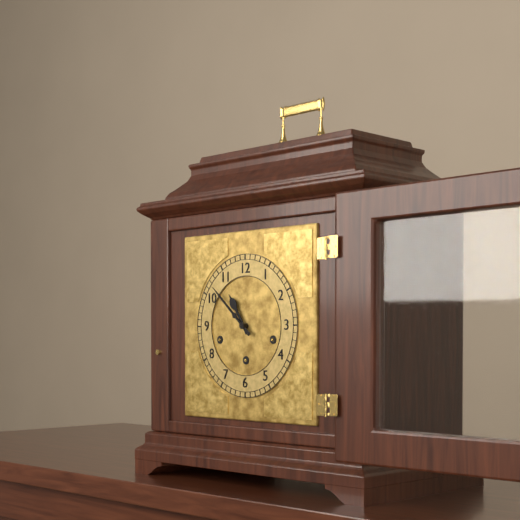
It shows 10h52
